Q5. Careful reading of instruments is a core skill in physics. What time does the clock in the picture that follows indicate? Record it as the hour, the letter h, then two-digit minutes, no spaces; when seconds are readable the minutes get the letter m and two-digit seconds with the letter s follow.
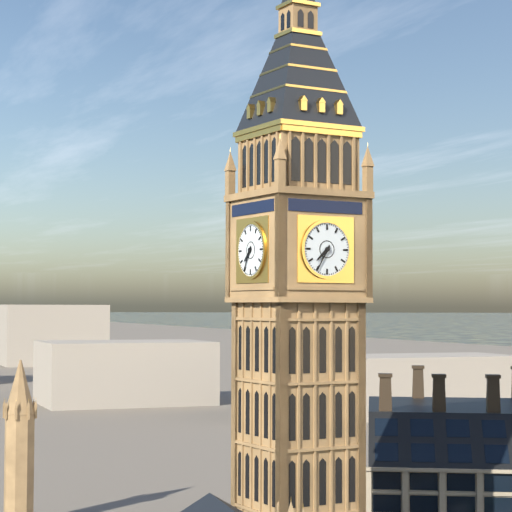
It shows 7h35
